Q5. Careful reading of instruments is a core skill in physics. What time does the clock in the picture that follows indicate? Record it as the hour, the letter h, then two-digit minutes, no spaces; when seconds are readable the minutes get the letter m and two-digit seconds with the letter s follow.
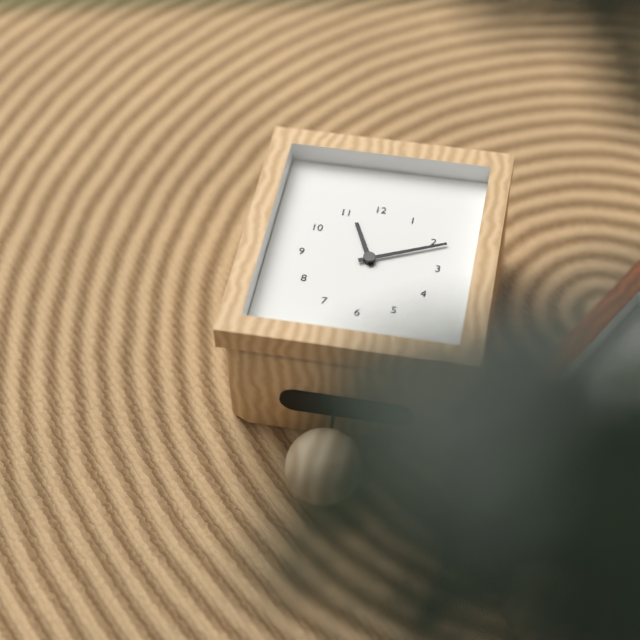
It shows 11h11
